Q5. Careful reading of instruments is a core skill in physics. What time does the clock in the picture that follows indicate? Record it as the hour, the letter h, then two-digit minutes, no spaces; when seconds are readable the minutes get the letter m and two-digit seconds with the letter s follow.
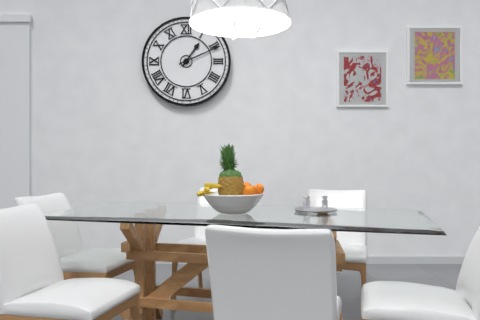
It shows 1h11
